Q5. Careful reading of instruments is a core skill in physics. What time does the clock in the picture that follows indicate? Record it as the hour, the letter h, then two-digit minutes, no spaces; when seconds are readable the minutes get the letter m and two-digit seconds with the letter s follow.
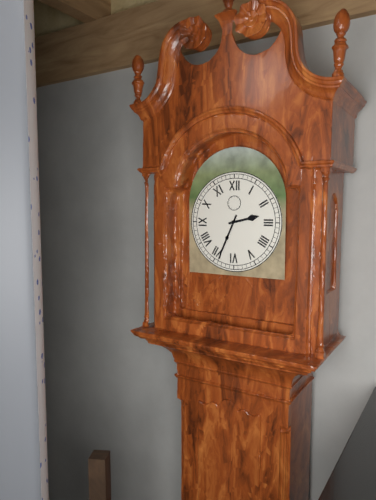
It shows 2h34
